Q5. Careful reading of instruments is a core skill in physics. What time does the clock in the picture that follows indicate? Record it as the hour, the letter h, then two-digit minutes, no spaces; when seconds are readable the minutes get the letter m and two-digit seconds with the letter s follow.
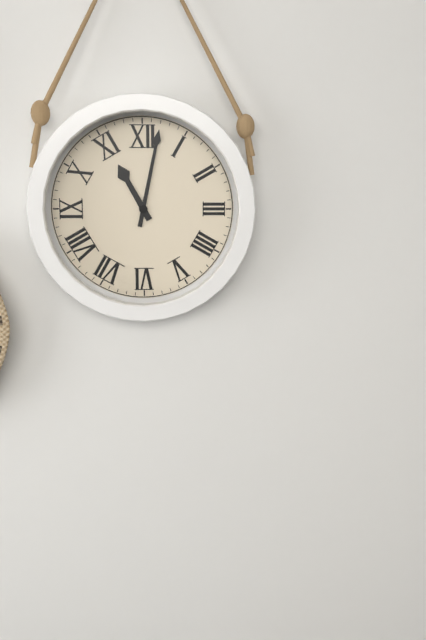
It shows 11h02
